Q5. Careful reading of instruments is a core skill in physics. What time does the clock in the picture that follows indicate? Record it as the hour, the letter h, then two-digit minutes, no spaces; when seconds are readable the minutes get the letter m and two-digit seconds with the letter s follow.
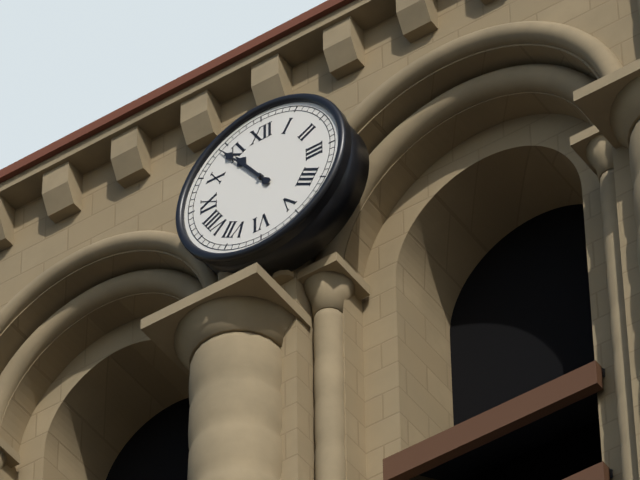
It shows 10h54
